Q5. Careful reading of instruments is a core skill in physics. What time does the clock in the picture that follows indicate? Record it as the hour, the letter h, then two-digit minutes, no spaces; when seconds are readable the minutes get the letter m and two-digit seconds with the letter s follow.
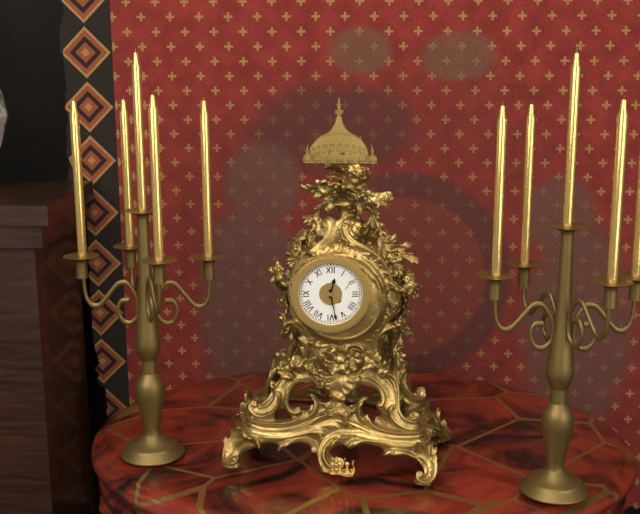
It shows 12h28
